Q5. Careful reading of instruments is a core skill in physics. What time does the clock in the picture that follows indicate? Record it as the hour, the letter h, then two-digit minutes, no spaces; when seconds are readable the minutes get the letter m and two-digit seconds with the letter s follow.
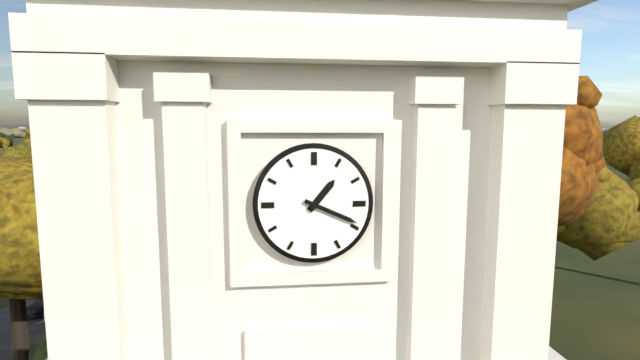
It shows 1h19
